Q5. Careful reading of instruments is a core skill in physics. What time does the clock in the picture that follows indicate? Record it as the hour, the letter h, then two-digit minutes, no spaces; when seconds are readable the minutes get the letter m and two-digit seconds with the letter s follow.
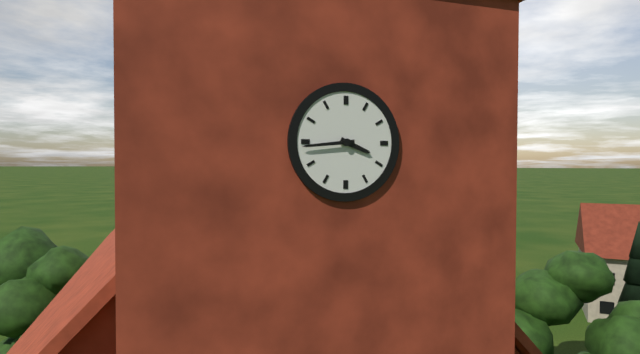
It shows 3h44
